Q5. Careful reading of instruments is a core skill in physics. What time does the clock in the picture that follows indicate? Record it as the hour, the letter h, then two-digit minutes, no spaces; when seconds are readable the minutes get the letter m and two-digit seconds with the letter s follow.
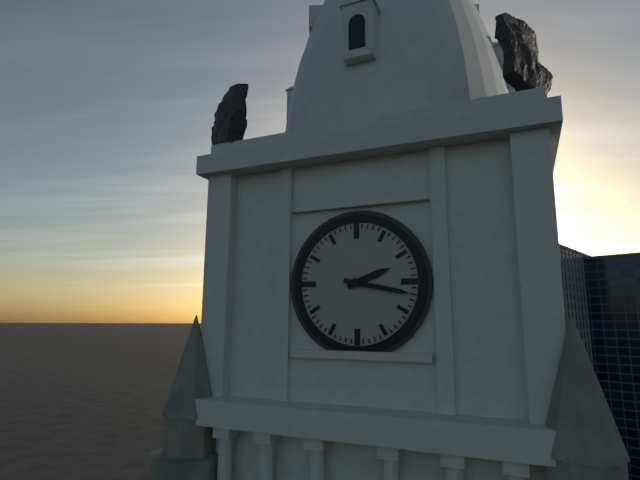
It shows 2h17
